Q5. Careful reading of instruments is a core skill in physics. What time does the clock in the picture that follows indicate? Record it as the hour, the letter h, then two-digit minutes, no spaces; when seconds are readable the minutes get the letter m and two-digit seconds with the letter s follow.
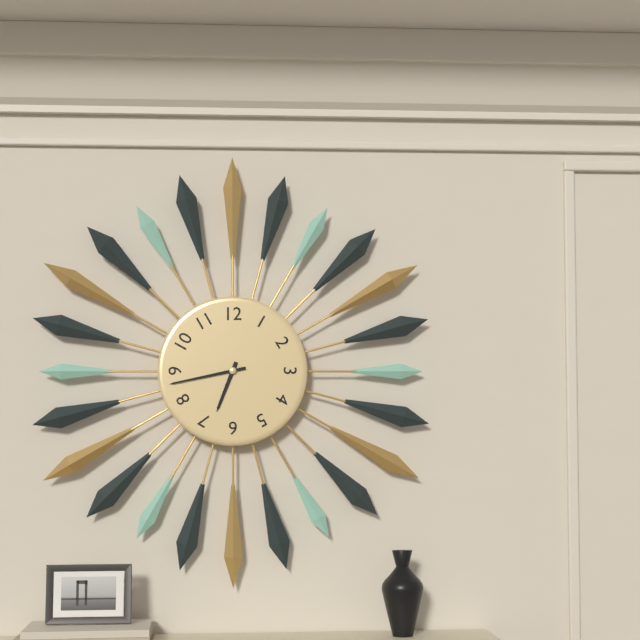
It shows 6h43
